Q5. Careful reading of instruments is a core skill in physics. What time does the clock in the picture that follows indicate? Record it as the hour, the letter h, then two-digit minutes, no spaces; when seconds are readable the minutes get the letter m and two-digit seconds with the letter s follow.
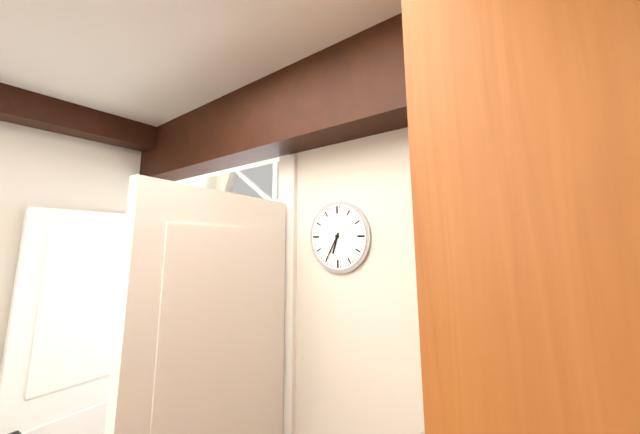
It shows 6h35
